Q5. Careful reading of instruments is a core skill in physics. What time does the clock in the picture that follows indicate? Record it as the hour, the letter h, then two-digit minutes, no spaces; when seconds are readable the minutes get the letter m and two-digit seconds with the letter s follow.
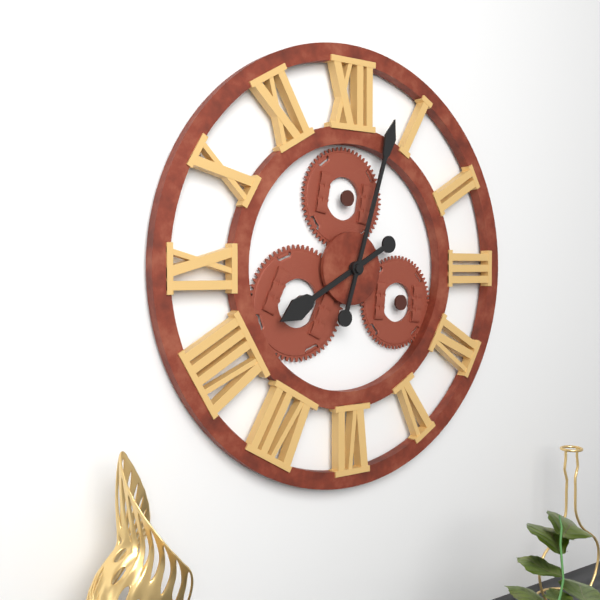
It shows 8h03
